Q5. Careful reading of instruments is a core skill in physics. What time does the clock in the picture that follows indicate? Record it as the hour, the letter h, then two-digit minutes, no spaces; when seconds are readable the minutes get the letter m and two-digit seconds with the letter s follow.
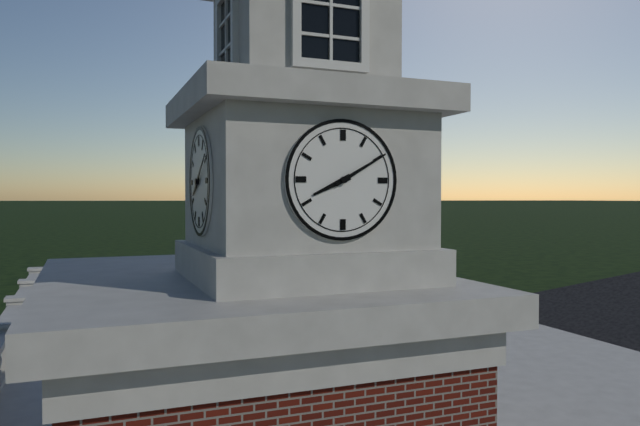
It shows 8h10
